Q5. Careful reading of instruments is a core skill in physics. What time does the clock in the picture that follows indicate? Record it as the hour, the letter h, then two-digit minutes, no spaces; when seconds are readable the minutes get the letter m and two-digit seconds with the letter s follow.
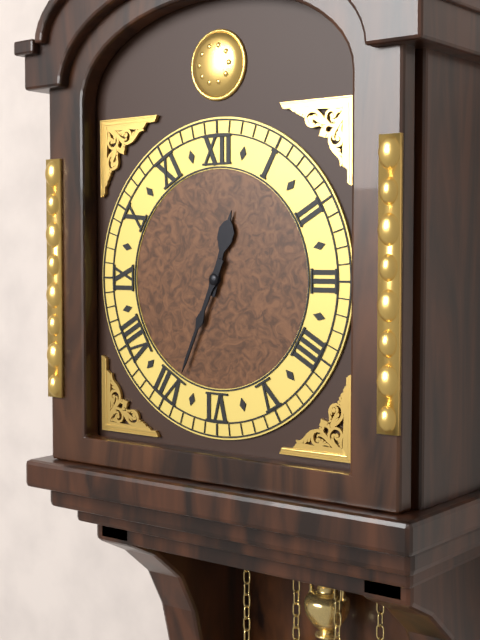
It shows 12h34
